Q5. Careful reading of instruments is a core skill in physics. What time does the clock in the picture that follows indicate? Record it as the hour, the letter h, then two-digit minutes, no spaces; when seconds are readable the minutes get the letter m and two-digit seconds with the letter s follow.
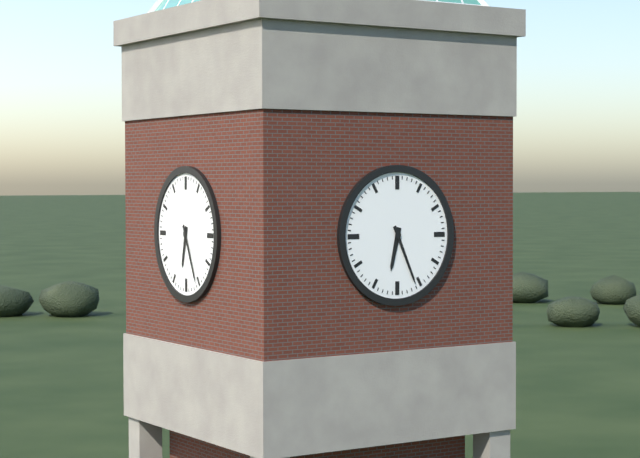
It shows 6h26
